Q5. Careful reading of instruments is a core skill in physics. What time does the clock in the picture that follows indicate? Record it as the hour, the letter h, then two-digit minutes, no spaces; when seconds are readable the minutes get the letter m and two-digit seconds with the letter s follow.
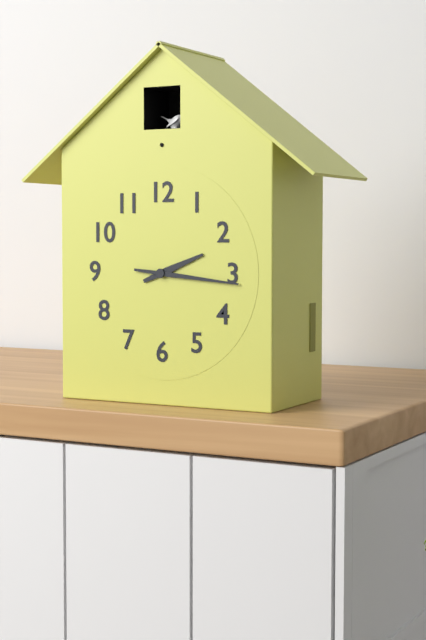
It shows 2h16
